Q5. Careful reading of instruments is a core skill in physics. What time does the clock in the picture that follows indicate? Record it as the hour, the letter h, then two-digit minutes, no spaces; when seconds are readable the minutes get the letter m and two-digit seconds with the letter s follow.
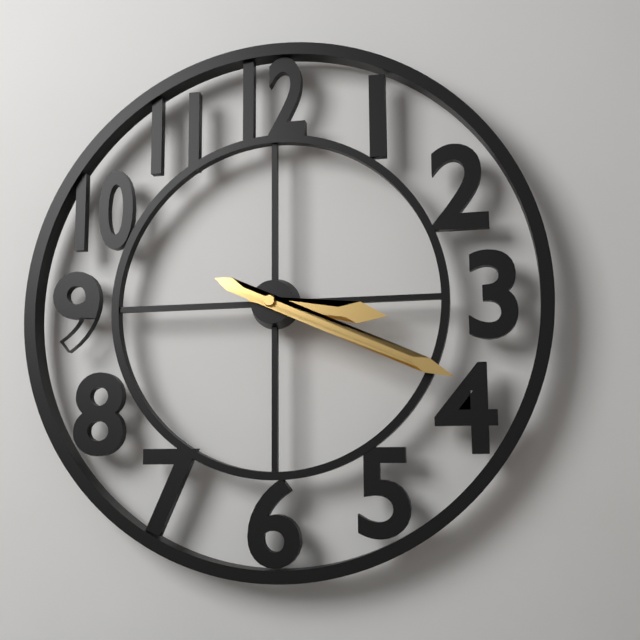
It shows 3h19
